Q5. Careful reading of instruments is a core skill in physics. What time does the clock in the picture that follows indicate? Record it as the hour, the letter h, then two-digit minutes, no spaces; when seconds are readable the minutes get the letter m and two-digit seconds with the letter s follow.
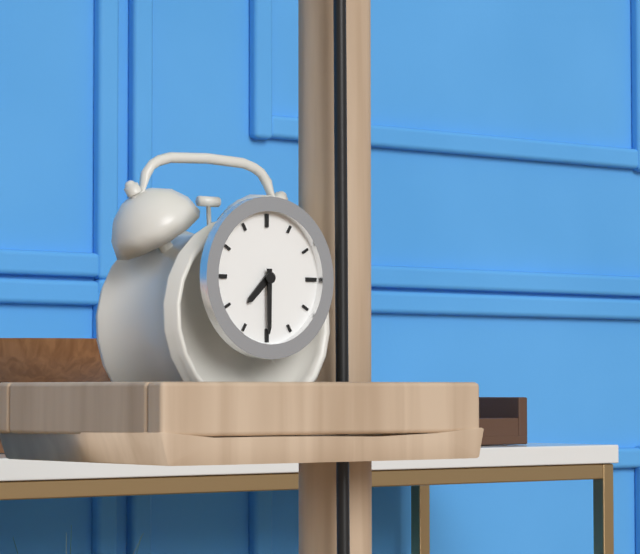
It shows 7h30
